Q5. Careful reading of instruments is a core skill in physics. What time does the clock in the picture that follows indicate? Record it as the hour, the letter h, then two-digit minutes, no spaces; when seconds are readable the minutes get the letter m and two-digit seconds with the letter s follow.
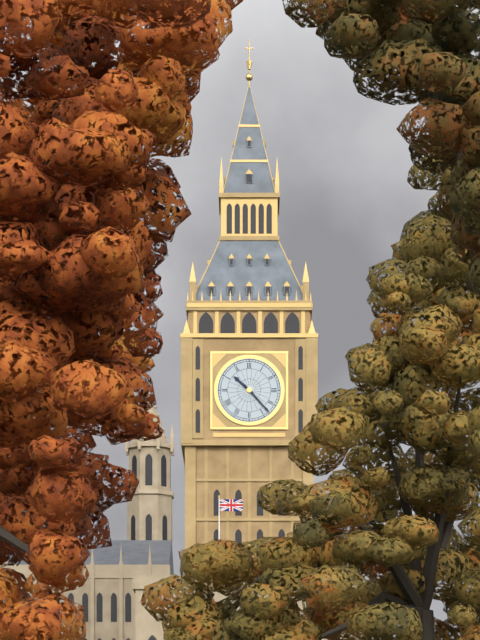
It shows 10h23
